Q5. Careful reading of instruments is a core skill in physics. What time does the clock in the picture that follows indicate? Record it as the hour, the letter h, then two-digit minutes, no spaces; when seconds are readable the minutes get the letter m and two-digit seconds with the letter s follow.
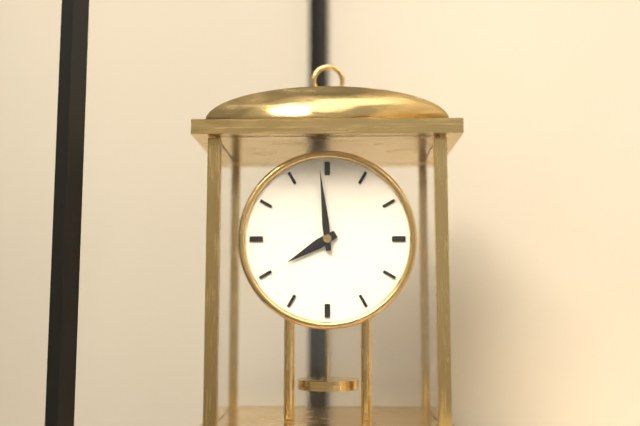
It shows 7h59
